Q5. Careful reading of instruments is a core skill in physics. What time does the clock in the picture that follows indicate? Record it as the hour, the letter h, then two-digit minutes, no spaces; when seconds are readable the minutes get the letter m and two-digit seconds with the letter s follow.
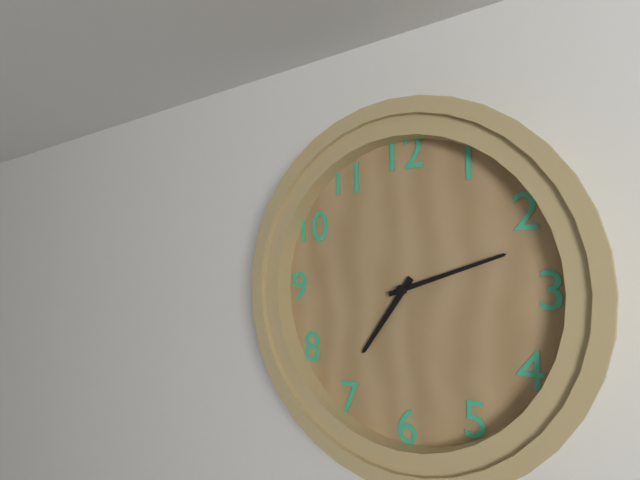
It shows 7h12
